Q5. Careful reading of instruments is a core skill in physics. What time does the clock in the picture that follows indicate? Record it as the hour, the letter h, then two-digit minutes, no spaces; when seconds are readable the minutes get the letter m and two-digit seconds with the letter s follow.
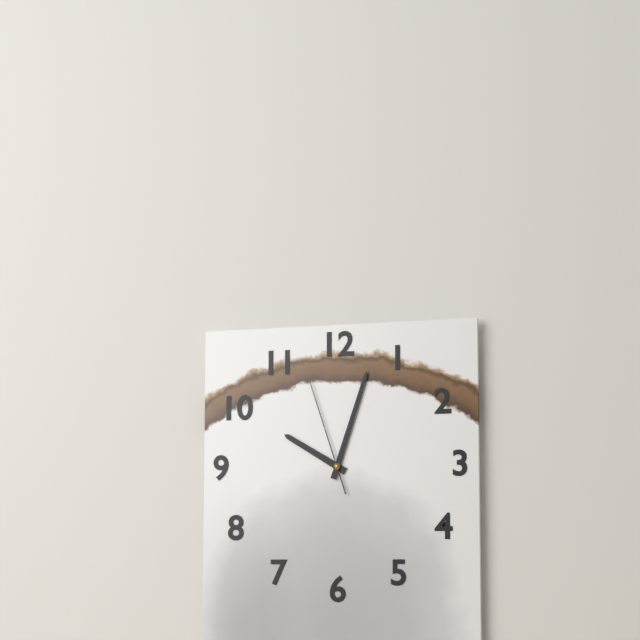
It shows 10h03m57s
